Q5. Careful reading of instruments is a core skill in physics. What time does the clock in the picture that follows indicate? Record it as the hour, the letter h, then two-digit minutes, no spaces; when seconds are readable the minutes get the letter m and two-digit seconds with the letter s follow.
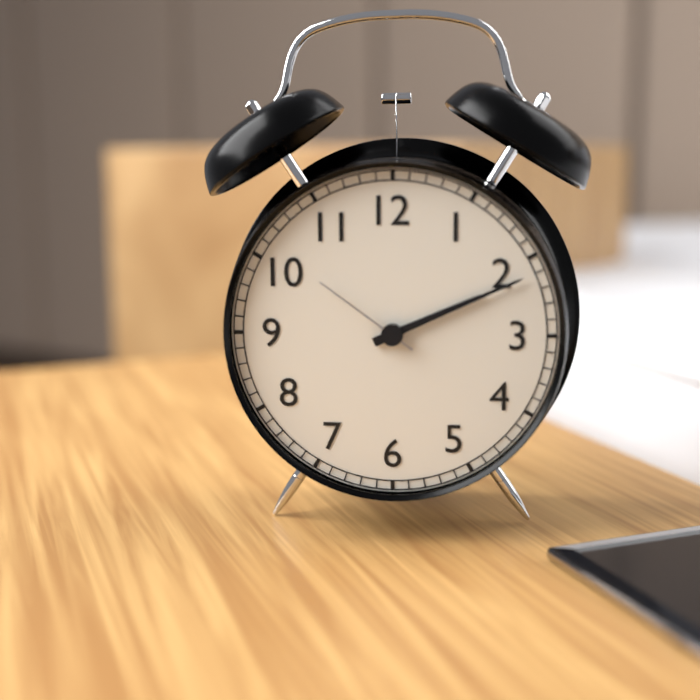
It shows 2h11m51s
